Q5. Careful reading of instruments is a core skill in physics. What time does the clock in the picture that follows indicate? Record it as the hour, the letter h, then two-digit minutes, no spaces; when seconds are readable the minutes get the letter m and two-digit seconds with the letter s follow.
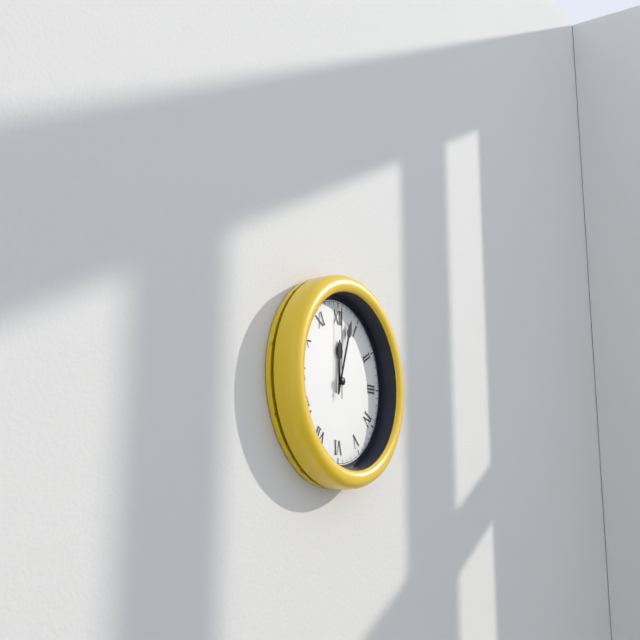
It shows 12h03m00s
